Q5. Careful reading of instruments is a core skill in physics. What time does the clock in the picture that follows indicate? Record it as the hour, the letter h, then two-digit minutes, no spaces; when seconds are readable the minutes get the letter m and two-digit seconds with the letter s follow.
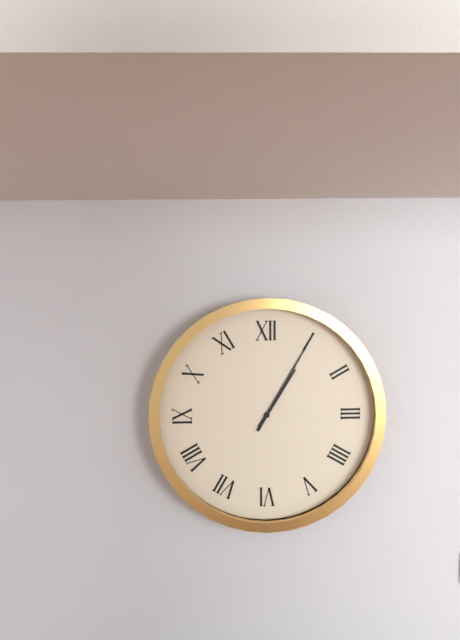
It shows 1h05
